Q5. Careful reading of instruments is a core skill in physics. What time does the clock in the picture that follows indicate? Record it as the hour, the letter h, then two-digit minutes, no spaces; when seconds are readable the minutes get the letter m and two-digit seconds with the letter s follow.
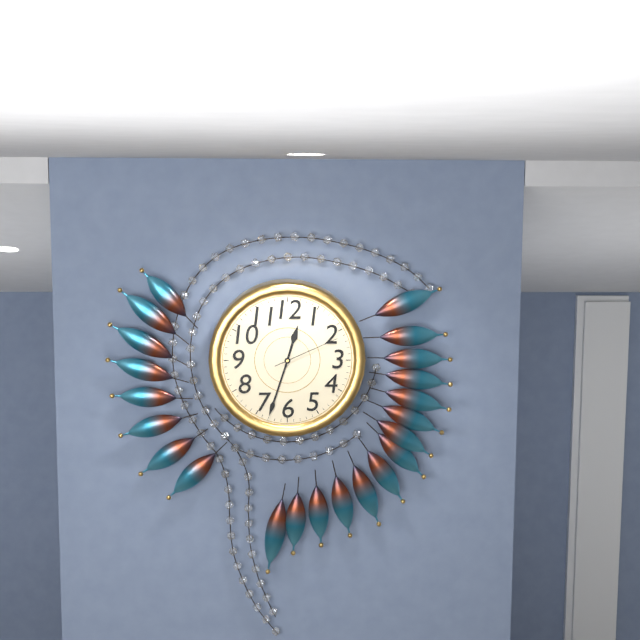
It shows 12h33m11s
